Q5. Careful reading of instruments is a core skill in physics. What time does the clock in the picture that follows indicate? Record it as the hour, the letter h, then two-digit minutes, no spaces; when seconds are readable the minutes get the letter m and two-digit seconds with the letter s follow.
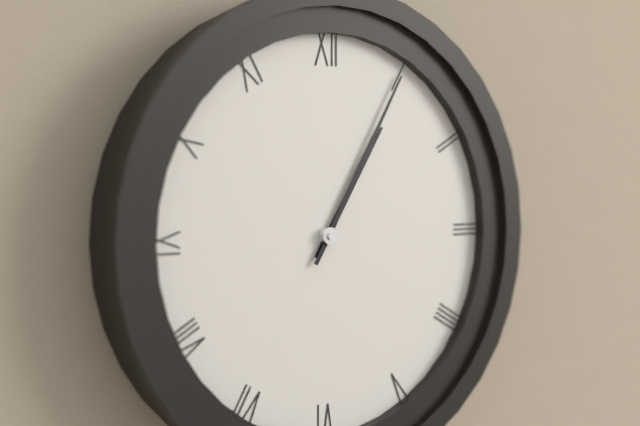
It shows 1h05
